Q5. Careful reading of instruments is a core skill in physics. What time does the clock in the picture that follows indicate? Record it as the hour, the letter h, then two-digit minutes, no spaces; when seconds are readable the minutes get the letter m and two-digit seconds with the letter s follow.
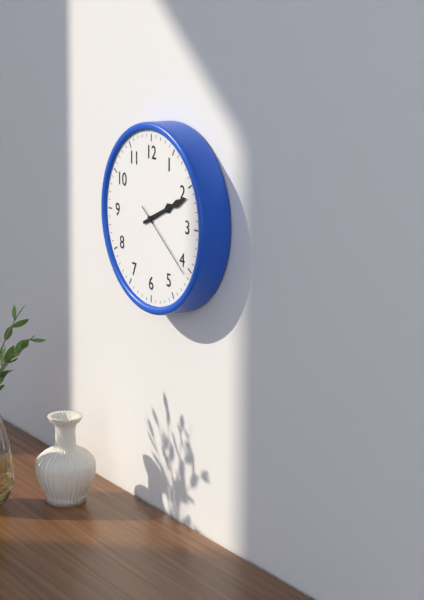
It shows 2h11m21s
